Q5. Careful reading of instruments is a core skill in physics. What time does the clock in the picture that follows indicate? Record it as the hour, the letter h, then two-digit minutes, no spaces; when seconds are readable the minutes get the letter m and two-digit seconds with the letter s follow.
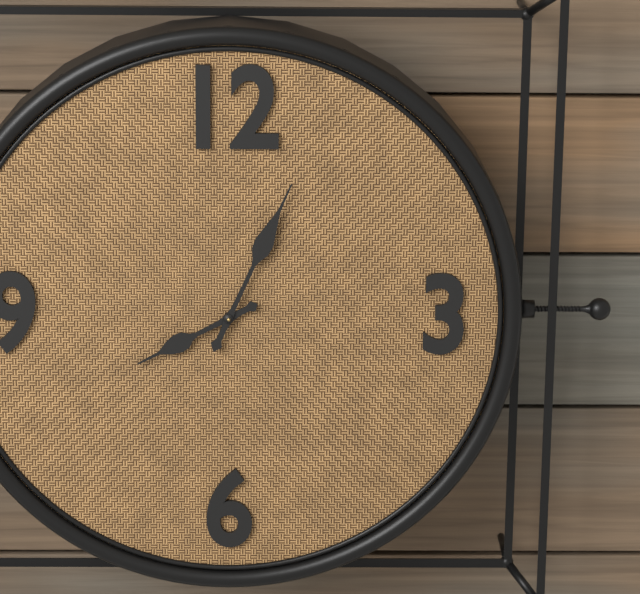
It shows 8h04
